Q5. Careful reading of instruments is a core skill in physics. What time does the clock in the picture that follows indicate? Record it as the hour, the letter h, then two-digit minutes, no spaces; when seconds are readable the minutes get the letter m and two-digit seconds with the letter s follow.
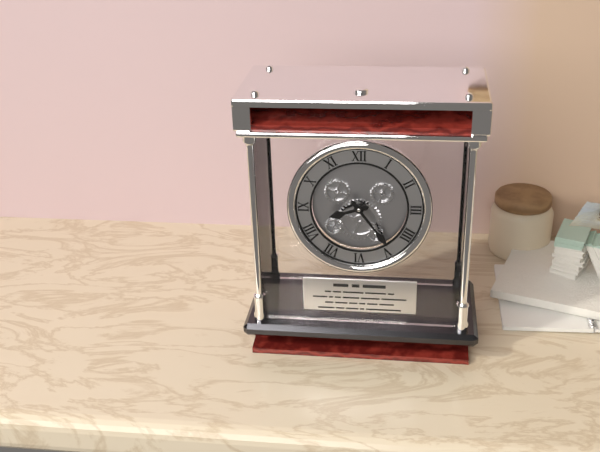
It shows 8h24
